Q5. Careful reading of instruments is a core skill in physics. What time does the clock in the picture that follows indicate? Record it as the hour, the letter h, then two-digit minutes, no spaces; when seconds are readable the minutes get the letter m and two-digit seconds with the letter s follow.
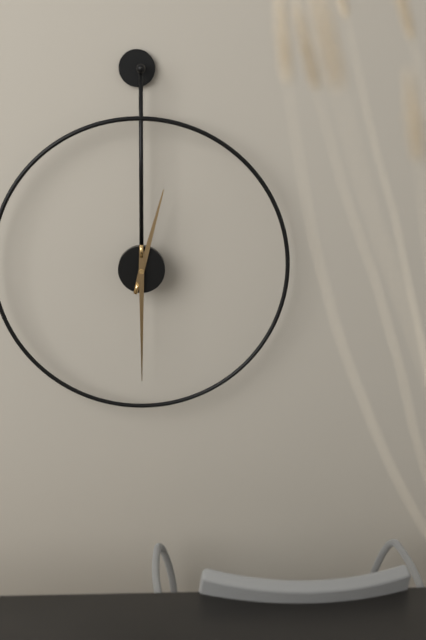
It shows 12h30
